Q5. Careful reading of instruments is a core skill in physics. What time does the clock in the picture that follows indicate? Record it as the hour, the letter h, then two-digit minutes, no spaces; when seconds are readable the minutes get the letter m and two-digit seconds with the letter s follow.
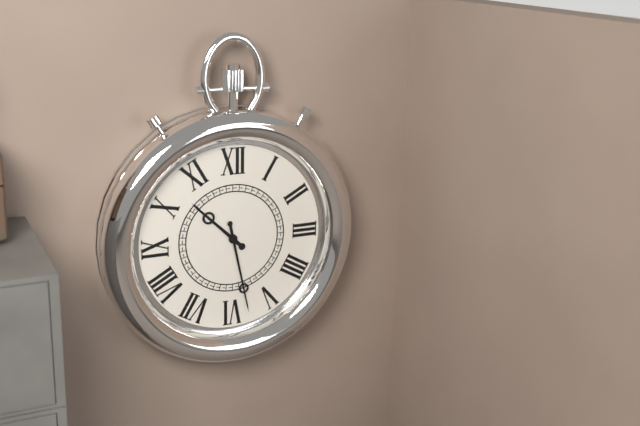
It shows 10h28
